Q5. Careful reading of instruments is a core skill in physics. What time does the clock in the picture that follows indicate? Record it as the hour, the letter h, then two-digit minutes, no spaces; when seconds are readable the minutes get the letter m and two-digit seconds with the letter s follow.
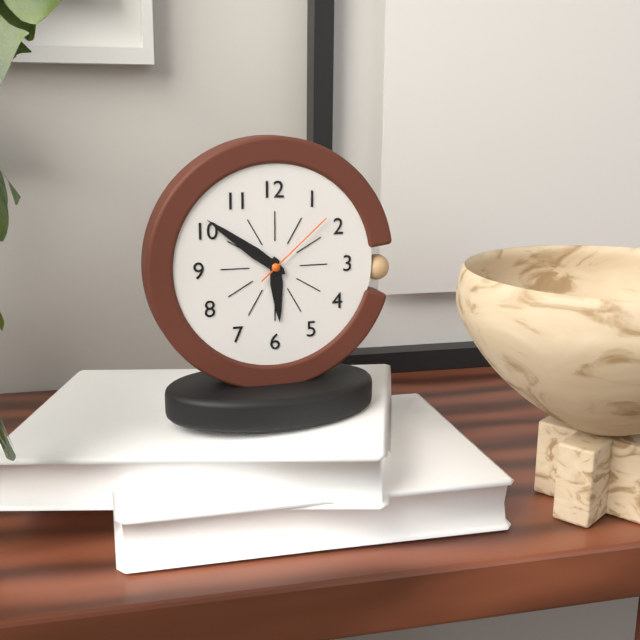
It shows 5h51m08s
